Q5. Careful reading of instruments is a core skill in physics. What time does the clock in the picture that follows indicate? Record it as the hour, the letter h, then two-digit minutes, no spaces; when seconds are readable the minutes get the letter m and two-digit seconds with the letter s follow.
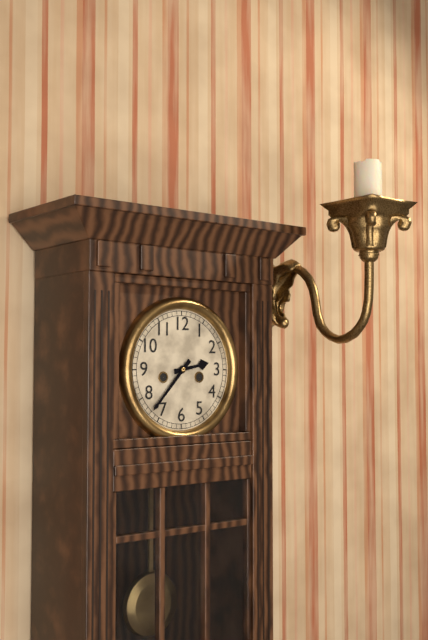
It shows 2h37
